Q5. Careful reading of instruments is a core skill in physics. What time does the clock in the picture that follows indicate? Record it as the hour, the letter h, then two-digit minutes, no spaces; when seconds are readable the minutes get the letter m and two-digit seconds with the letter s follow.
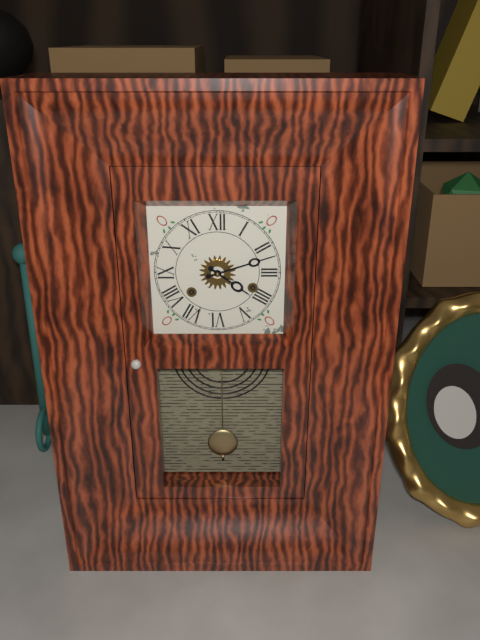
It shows 4h12
